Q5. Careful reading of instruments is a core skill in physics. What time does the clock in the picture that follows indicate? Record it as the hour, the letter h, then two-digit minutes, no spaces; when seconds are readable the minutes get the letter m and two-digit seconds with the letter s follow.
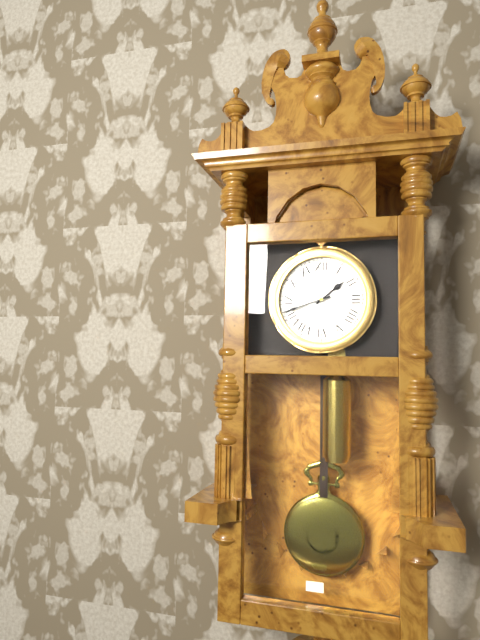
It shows 1h42
